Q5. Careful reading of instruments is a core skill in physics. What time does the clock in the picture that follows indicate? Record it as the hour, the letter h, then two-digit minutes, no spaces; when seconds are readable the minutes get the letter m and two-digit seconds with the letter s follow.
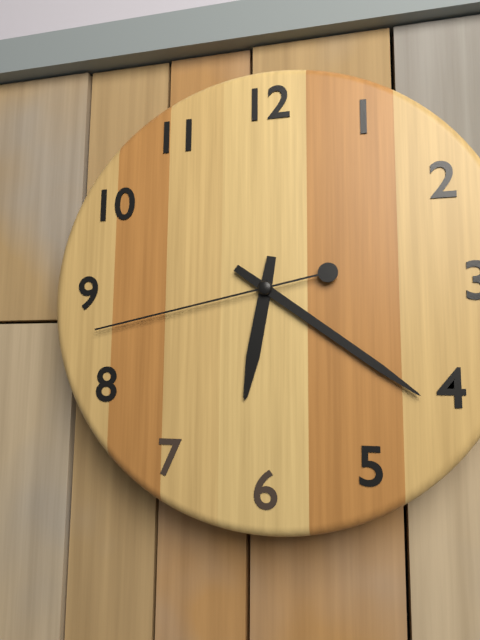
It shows 6h21m43s
